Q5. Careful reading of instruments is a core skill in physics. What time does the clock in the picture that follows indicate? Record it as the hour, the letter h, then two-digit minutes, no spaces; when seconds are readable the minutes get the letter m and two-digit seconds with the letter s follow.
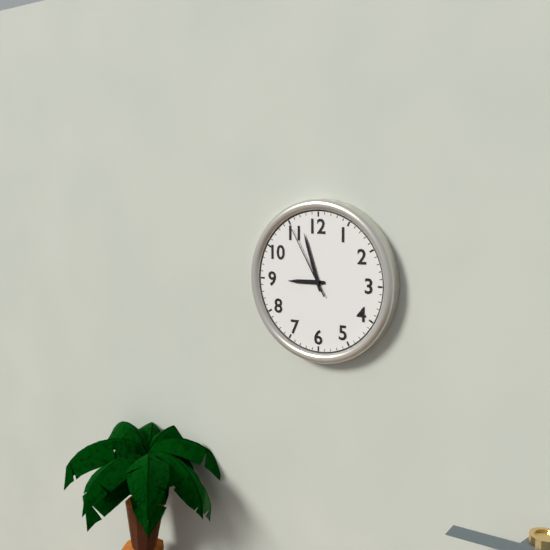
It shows 8h57m55s
